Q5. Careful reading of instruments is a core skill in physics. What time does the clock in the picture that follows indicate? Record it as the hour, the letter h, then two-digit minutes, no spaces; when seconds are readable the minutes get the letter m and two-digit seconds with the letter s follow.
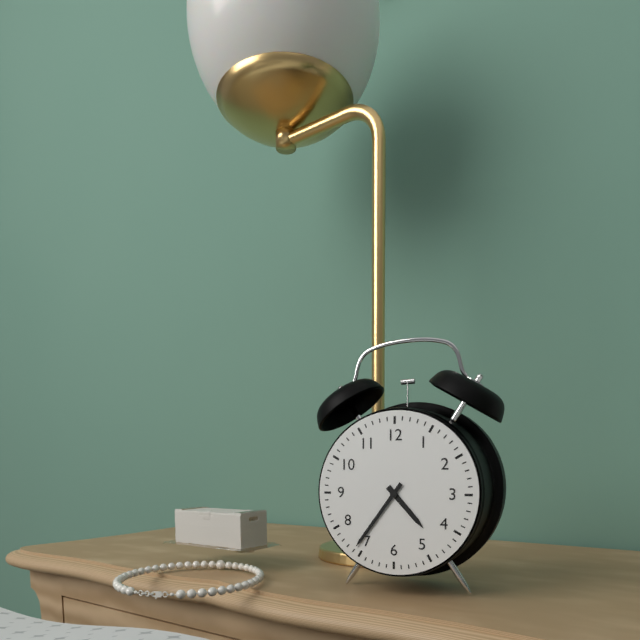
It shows 4h36
